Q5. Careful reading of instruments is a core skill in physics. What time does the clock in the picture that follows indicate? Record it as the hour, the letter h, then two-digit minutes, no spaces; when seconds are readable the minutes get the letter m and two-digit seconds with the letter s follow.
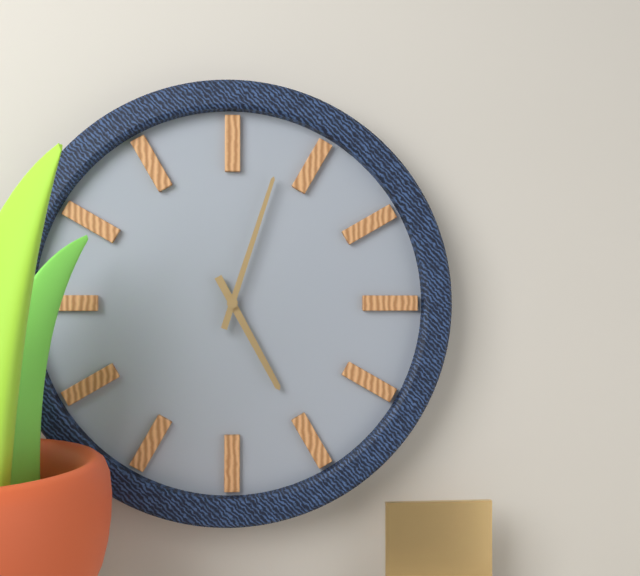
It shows 5h03
